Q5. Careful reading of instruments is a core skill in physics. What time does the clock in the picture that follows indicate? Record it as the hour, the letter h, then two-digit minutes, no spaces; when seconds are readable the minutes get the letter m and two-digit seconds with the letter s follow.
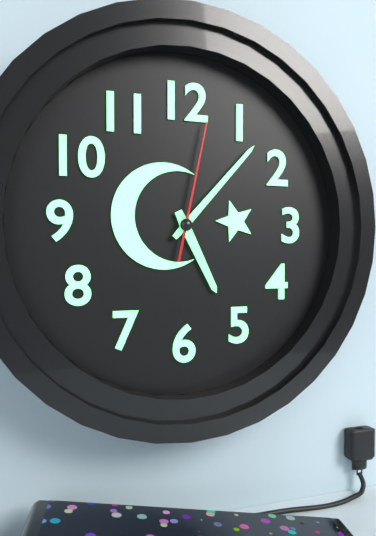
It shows 5h07m02s
